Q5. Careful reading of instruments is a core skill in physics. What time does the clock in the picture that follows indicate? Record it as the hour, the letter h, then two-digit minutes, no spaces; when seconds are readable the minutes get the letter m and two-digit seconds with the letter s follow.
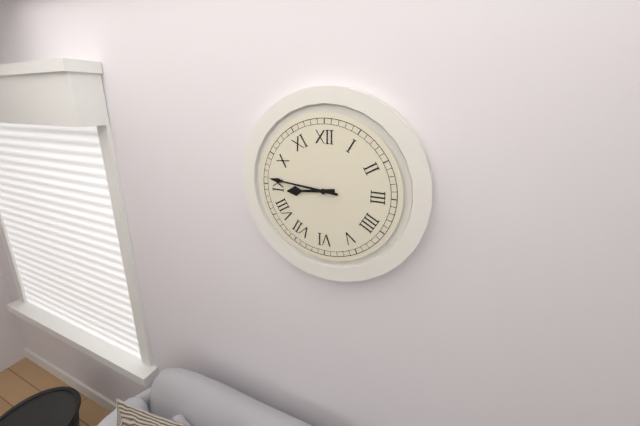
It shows 8h46
